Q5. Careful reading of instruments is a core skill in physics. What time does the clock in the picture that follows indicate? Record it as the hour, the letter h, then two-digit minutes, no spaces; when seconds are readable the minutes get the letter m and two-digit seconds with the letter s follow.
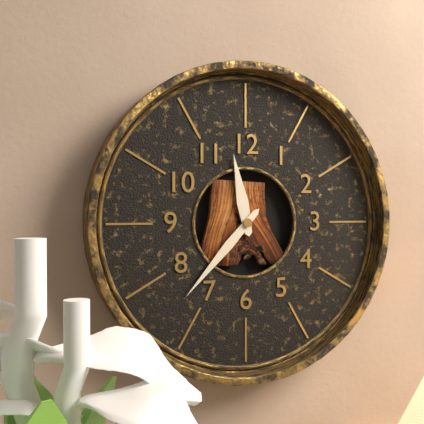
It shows 11h37
